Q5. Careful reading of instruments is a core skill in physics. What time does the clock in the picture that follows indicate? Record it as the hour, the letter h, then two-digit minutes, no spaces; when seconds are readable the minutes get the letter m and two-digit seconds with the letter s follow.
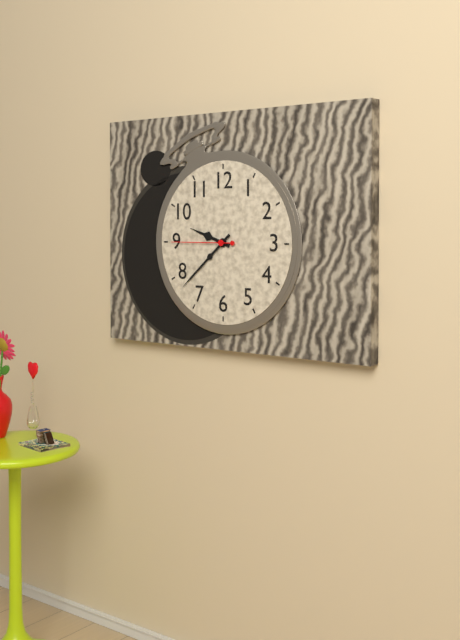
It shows 9h38m45s
